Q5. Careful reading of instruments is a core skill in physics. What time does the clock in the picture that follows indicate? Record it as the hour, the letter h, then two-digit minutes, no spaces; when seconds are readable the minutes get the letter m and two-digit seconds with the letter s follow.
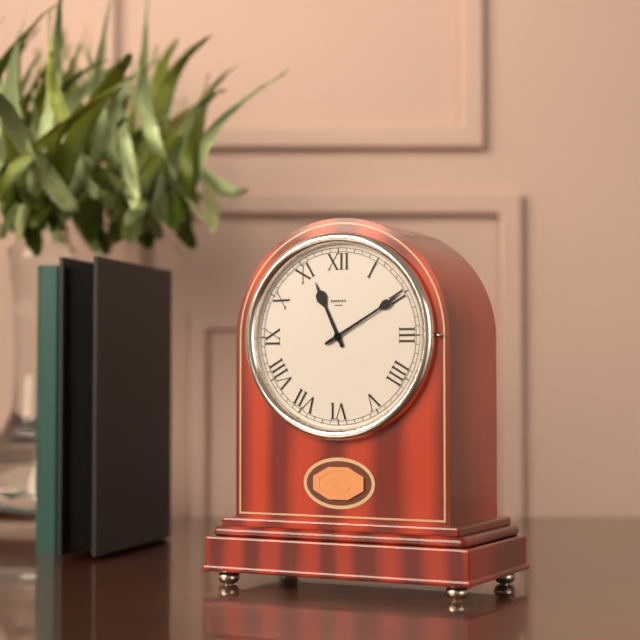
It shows 11h10
